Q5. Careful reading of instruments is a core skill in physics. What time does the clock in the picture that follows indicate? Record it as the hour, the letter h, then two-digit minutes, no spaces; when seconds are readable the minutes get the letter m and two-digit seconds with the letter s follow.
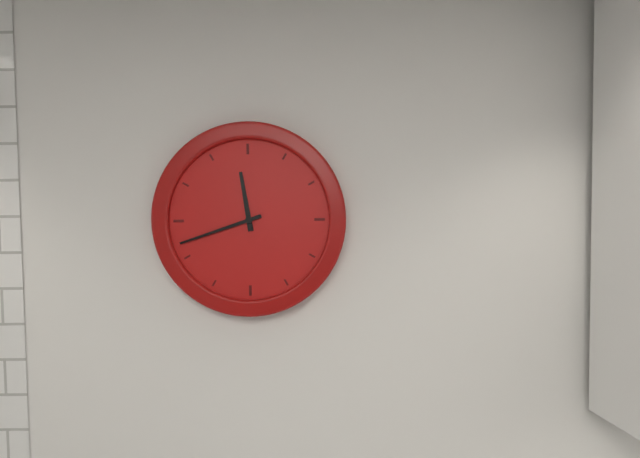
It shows 11h42
